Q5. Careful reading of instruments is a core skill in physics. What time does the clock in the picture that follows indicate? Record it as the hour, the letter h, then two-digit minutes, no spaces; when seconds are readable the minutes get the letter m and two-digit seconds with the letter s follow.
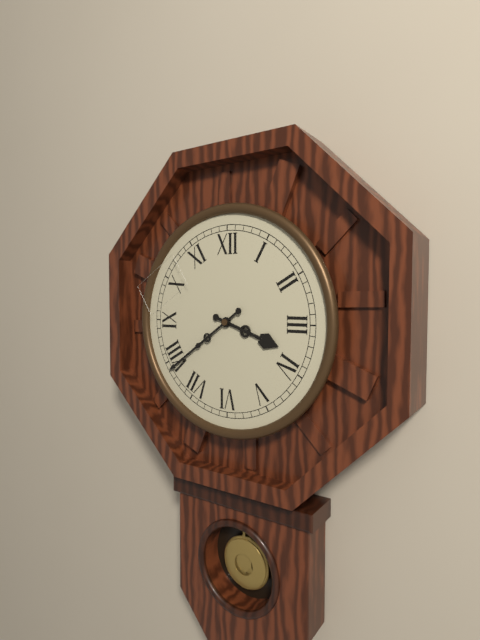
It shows 3h39
